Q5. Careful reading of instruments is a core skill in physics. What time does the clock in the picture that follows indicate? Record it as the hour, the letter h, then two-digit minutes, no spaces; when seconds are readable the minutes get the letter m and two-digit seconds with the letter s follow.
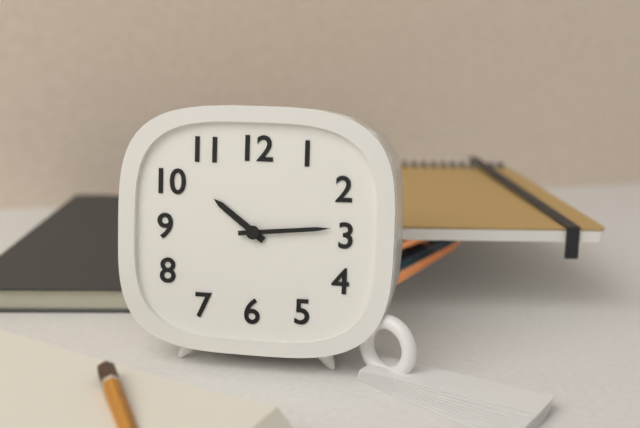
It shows 10h14
